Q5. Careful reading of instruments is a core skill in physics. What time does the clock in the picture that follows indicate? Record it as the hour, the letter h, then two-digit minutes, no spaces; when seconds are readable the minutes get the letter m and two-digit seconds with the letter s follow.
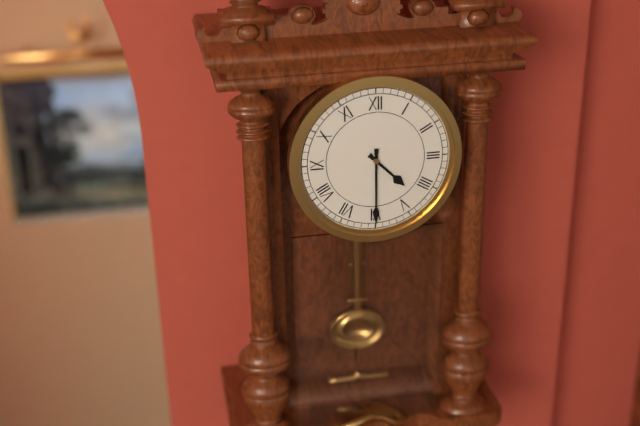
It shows 4h30
